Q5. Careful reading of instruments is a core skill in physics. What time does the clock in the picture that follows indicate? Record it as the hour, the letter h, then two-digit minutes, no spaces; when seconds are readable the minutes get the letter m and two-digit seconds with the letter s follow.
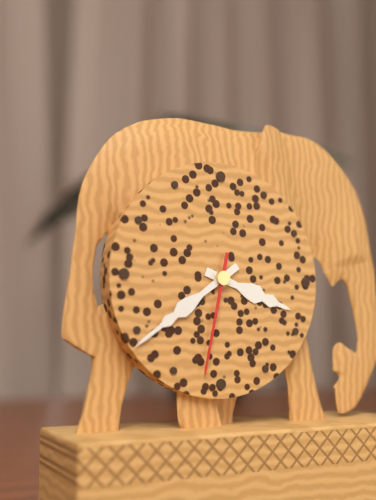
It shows 3h39m32s
